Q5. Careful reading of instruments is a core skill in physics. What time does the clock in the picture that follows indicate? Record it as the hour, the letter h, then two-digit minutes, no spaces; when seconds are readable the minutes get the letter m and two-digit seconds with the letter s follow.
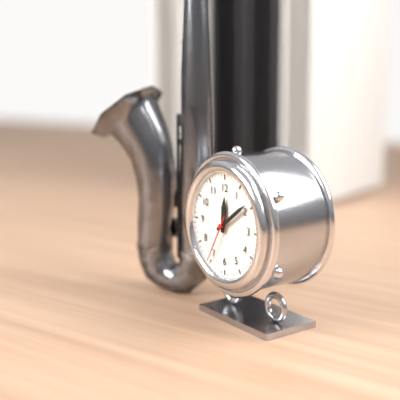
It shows 12h09
